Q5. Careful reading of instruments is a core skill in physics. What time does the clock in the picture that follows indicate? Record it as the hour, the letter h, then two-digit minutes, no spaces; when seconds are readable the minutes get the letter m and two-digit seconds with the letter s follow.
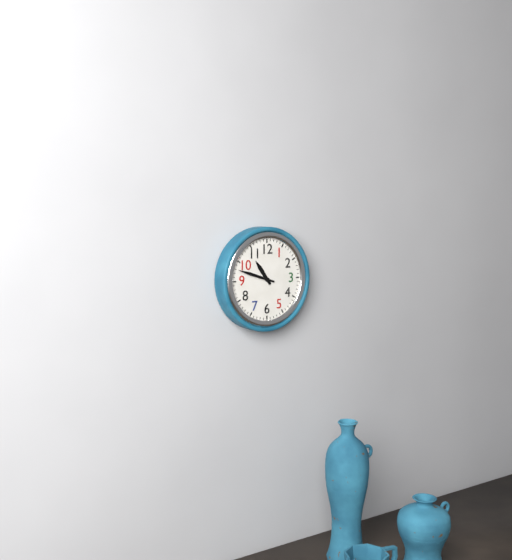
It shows 10h48
